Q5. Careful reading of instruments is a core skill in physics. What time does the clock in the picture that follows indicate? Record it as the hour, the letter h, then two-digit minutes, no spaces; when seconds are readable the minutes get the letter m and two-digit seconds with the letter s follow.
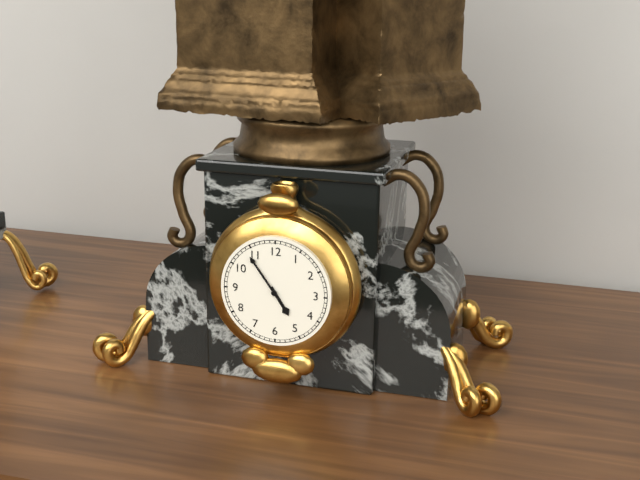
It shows 4h54
